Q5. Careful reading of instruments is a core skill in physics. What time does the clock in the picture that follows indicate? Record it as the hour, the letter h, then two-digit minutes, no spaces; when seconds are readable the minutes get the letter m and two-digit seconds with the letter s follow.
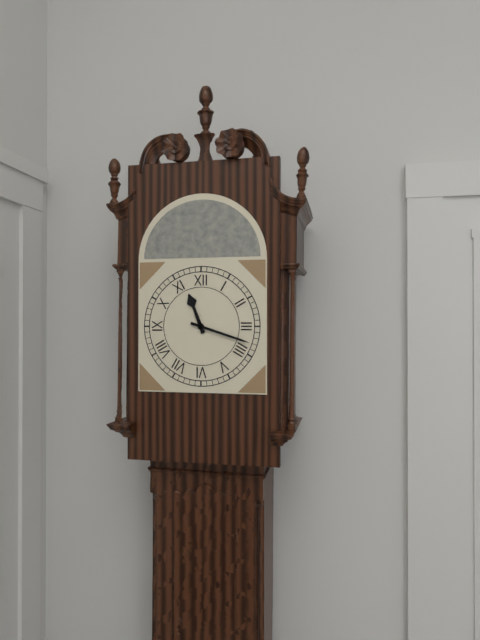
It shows 11h18
